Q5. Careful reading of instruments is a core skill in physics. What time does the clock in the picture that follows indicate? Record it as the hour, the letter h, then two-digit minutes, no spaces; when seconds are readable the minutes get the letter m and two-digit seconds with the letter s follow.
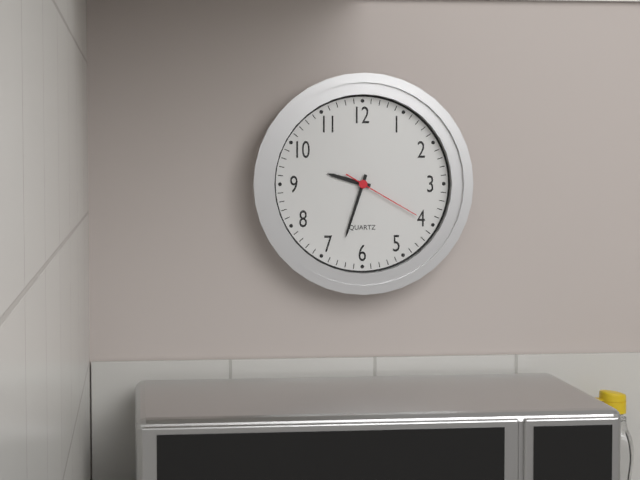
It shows 9h33m20s
